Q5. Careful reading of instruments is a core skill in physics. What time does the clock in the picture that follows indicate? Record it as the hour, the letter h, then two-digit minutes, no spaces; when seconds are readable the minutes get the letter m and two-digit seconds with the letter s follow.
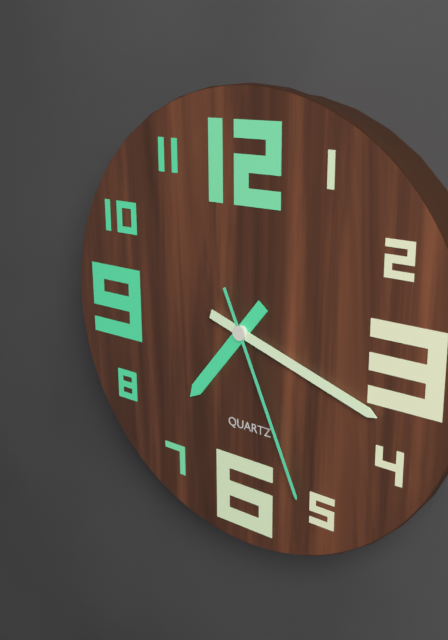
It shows 7h18m26s
